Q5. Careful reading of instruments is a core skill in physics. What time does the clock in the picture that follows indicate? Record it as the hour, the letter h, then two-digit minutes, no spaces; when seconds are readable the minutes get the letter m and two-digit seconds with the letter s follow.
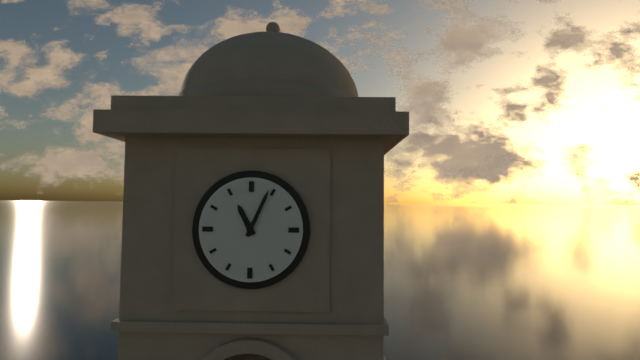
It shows 11h04
